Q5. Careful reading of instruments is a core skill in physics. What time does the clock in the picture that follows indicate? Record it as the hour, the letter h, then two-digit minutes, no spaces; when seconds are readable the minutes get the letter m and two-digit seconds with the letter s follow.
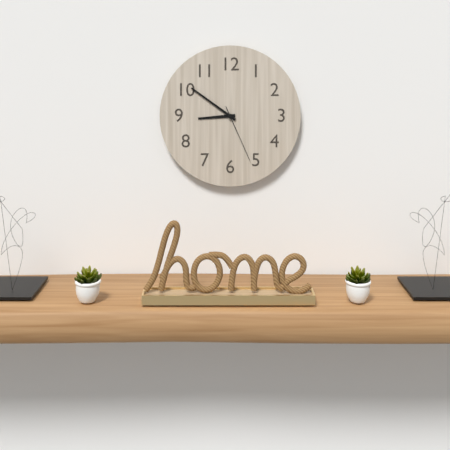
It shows 8h51m26s
